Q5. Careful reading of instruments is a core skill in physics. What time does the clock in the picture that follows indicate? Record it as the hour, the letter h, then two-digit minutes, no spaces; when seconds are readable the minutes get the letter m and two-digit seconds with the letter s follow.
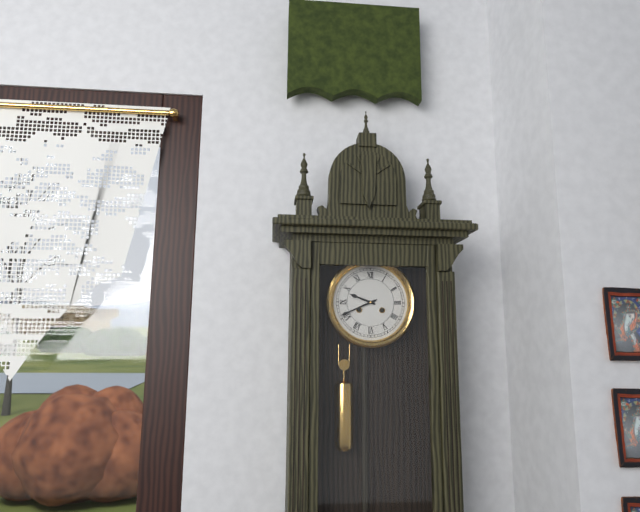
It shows 9h41
